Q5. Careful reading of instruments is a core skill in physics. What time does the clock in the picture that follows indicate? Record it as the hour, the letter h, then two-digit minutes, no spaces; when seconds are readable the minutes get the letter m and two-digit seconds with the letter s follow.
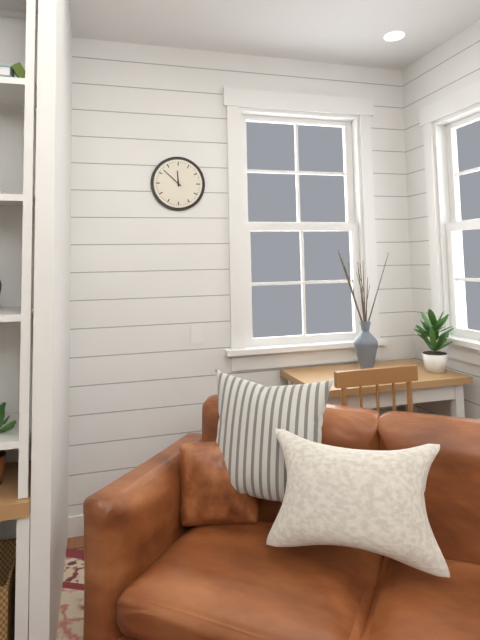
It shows 11h52
